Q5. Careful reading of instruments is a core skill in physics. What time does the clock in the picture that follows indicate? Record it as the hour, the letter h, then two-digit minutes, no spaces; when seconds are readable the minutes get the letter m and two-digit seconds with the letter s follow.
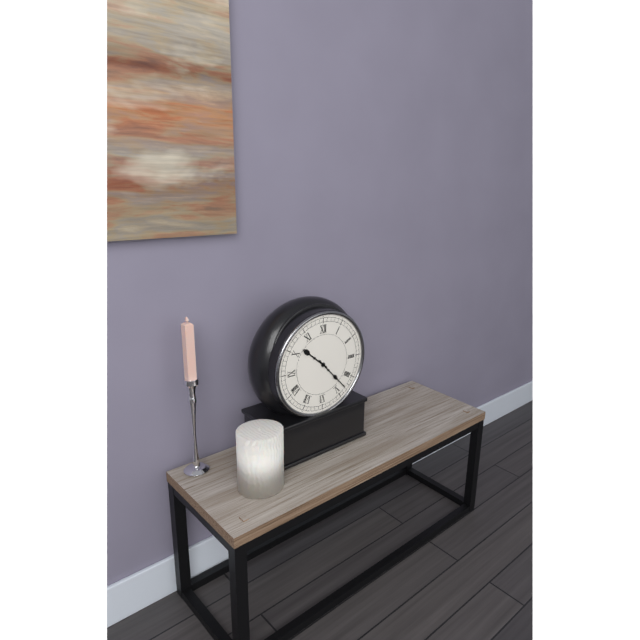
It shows 10h23
